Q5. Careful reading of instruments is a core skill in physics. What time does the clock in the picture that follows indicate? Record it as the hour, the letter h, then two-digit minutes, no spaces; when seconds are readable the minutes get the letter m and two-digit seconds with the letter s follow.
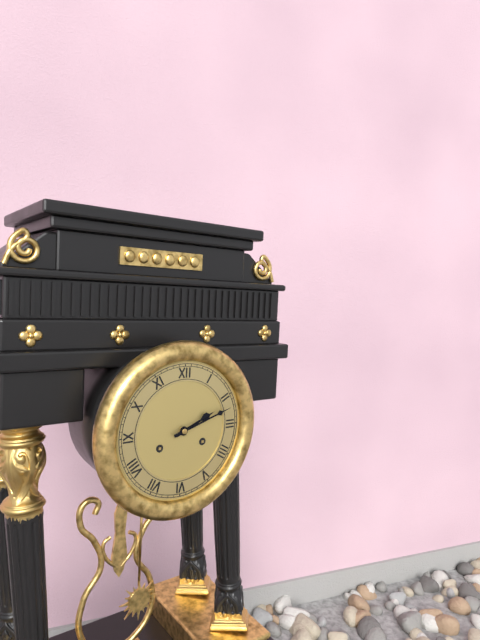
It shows 2h12
